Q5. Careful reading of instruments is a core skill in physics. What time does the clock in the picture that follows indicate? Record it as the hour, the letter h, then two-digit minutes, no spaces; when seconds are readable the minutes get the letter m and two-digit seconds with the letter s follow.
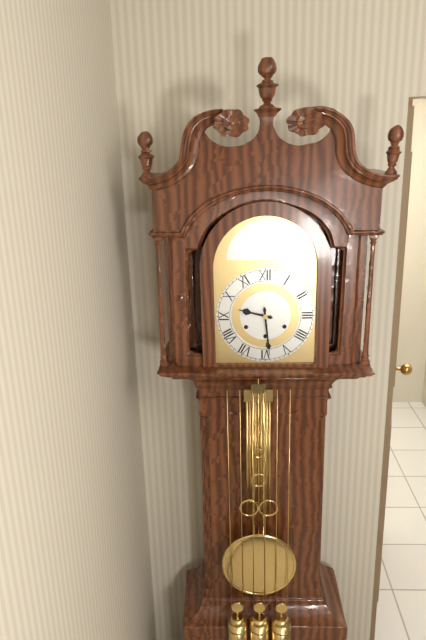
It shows 9h29
